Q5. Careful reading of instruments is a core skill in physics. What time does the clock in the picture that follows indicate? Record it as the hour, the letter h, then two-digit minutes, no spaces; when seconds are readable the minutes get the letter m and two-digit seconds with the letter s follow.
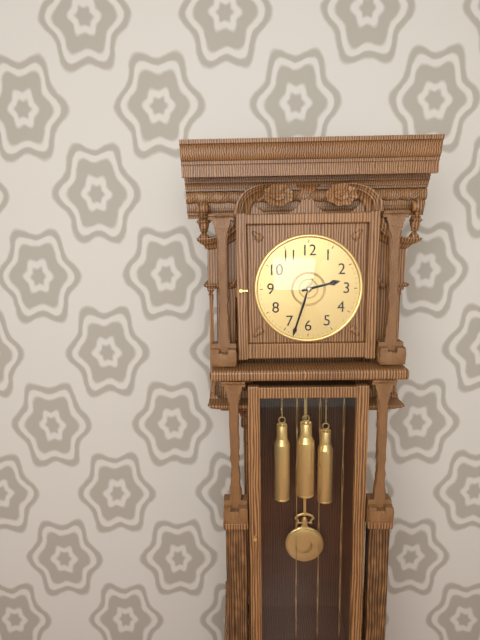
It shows 2h33m32s
